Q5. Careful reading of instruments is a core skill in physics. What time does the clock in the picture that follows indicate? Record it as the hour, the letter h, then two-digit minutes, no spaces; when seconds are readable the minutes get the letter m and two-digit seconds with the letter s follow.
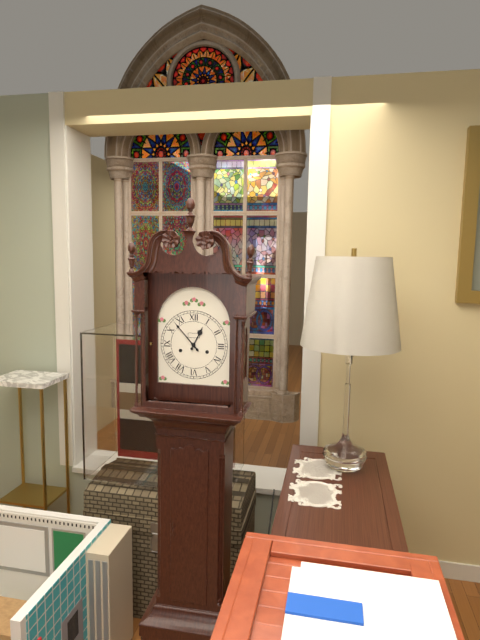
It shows 12h53
